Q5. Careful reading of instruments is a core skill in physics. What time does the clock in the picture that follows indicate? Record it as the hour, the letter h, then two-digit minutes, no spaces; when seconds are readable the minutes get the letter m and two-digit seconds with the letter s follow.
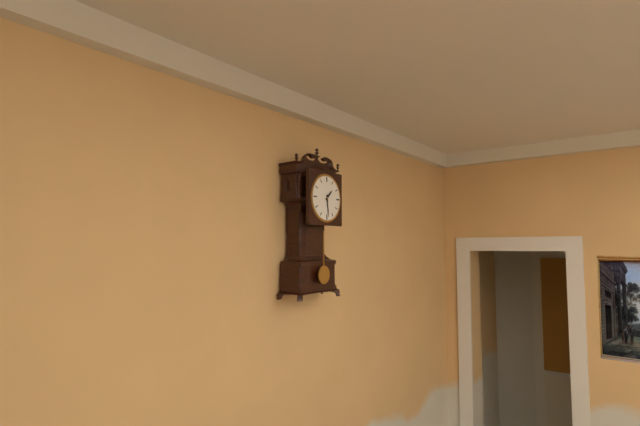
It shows 1h29
